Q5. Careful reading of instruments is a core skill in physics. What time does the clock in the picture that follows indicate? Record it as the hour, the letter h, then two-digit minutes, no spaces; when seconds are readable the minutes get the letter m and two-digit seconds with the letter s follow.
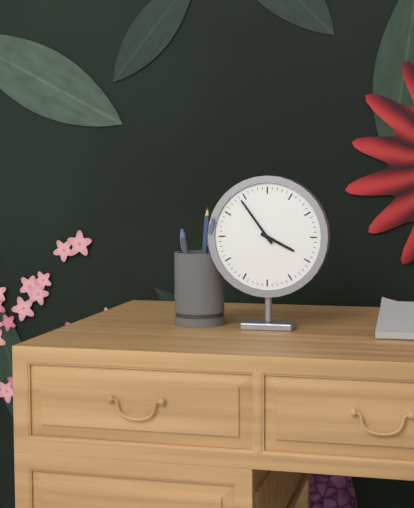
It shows 3h54
